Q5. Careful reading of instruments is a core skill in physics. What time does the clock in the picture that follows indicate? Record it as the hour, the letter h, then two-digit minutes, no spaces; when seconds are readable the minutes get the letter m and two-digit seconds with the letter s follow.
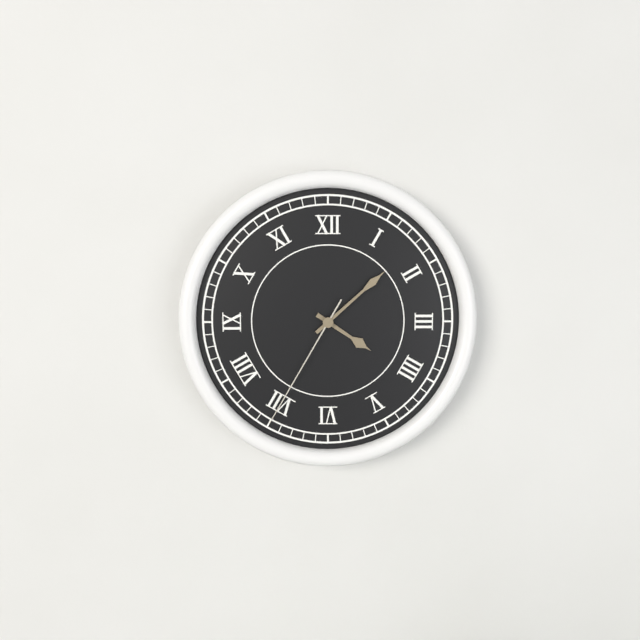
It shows 4h08m35s
